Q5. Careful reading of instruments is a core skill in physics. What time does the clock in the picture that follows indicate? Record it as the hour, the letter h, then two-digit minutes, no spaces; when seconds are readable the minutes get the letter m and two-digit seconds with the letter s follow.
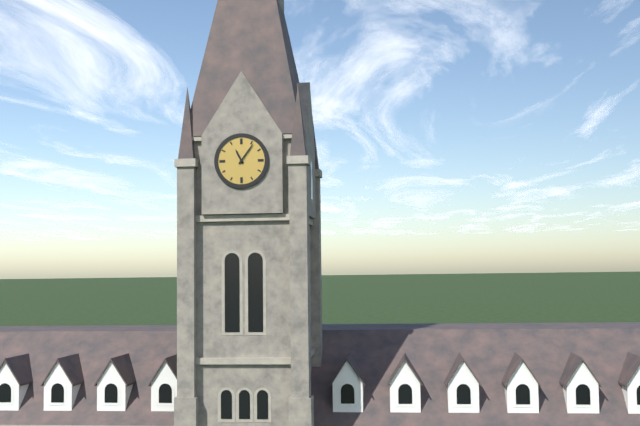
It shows 11h06
